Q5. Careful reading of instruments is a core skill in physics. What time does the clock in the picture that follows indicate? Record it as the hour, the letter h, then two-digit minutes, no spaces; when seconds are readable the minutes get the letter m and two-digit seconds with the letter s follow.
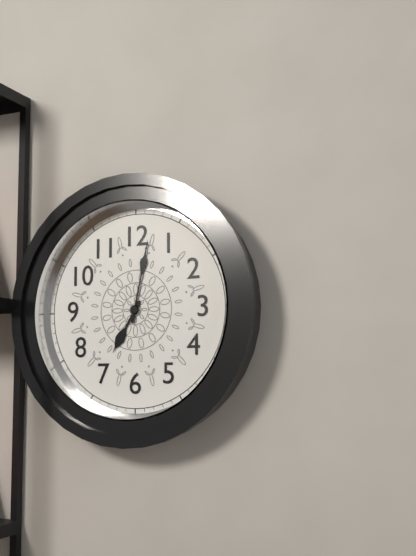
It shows 7h02
